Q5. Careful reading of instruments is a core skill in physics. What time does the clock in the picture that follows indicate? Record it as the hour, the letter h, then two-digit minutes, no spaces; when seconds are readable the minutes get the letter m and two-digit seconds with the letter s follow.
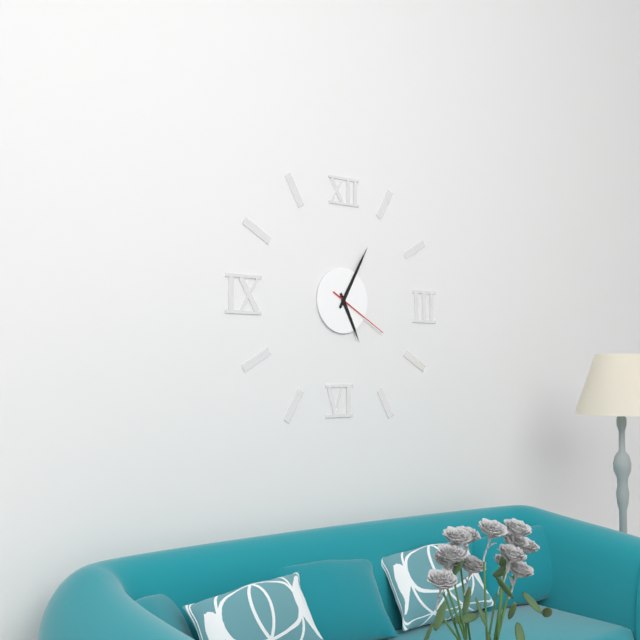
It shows 5h05m20s
